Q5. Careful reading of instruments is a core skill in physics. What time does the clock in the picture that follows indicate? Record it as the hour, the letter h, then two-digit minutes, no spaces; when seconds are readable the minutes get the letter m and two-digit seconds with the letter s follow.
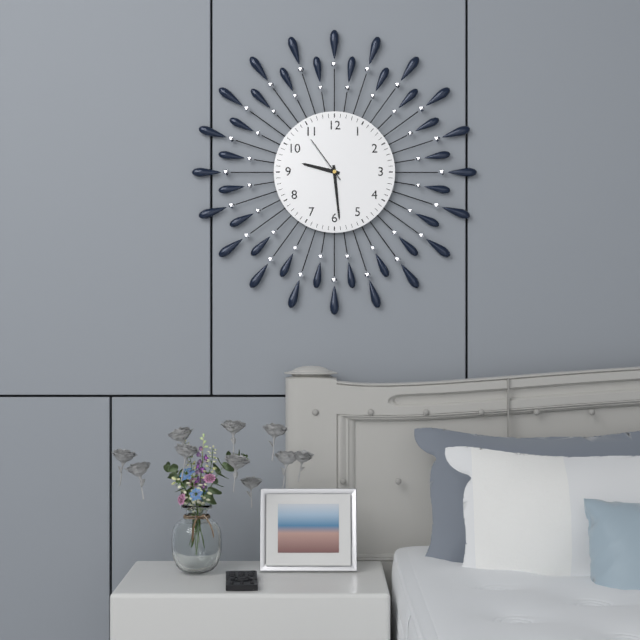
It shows 9h29m54s
